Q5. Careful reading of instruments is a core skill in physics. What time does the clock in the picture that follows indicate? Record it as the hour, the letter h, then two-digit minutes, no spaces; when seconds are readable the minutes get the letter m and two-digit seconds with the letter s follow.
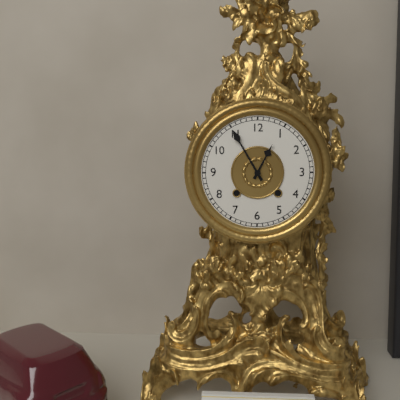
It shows 12h55
